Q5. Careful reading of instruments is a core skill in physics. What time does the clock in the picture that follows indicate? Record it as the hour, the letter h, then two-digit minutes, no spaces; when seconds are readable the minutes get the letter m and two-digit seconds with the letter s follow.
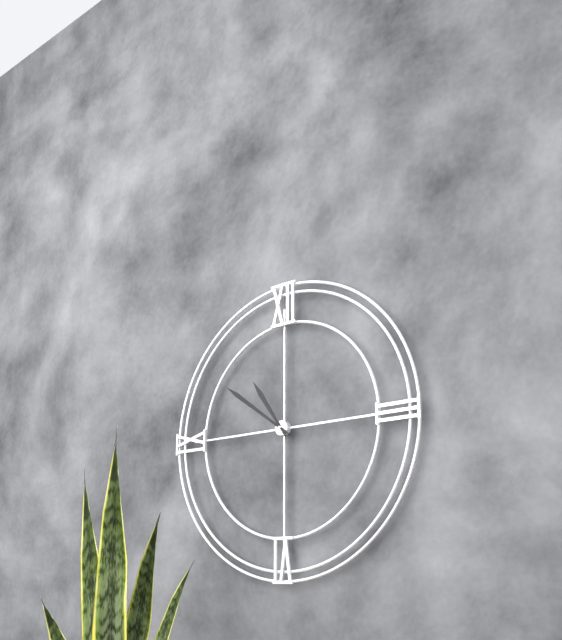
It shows 10h51
